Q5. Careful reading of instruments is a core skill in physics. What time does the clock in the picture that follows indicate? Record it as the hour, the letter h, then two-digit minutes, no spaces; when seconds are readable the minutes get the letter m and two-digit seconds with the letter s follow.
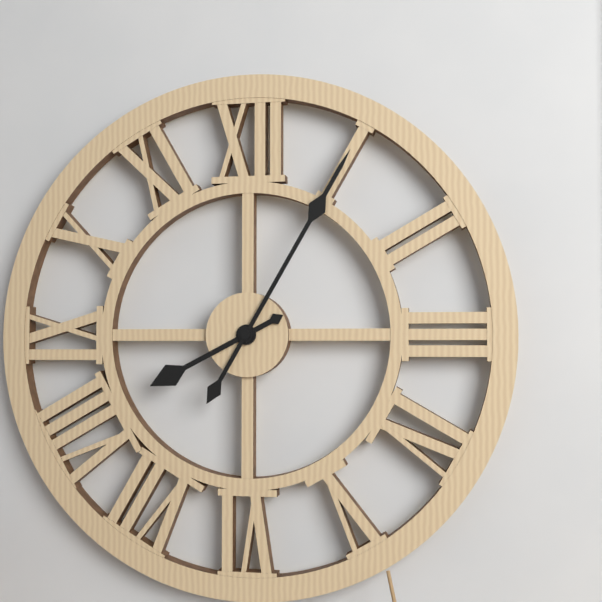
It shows 8h05
